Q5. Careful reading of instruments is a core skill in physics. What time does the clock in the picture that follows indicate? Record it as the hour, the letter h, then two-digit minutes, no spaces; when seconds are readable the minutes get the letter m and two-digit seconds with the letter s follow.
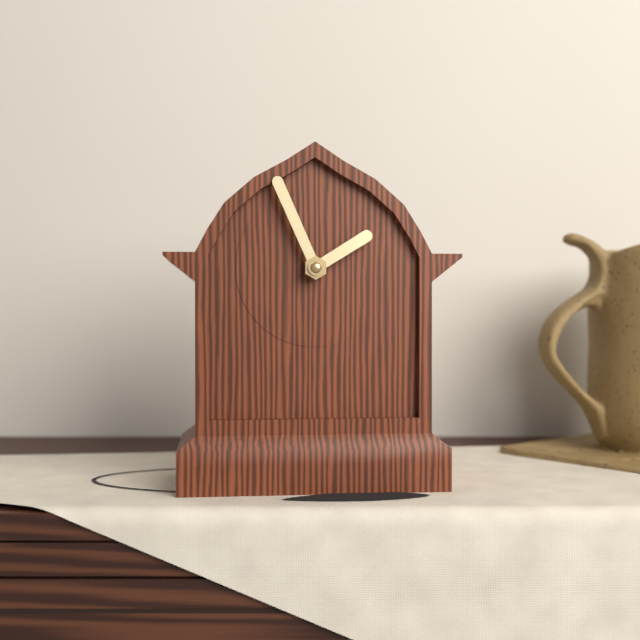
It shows 1h56
